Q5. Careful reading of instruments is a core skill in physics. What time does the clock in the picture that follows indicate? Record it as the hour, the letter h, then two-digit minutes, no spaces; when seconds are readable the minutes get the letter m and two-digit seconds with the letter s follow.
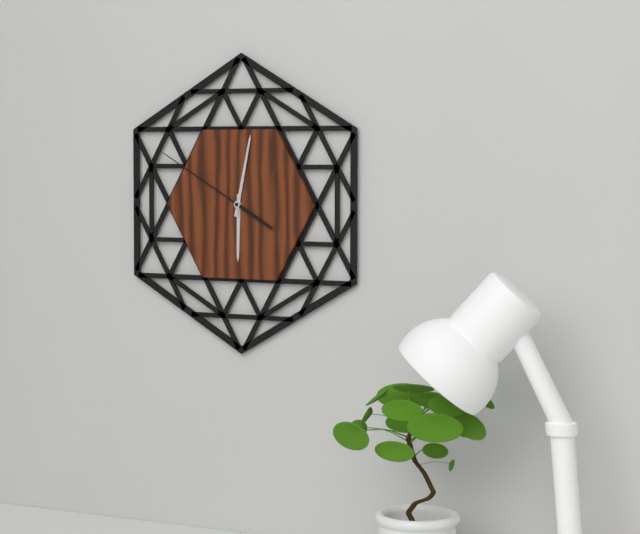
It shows 6h02m50s
